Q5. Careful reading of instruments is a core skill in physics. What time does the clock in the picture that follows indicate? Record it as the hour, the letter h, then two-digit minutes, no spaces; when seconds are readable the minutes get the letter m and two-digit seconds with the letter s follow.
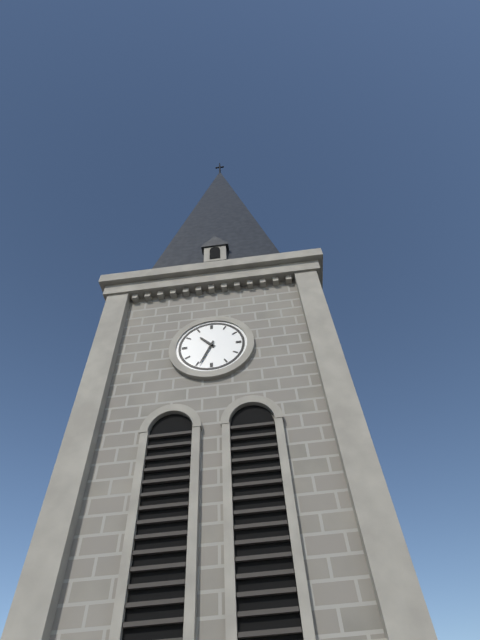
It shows 10h34
